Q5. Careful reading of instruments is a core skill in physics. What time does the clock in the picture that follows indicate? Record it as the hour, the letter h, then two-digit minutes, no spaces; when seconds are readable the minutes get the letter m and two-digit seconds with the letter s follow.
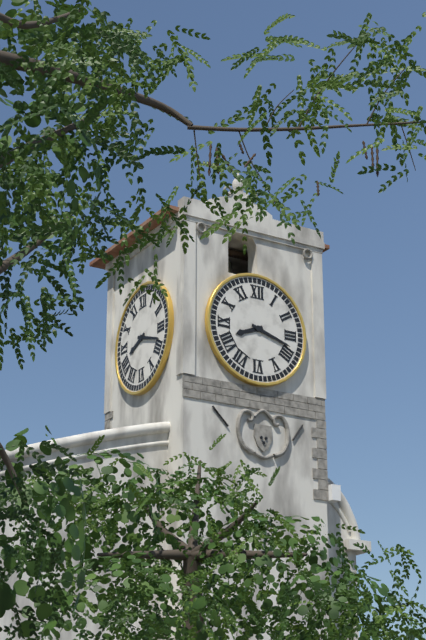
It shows 8h18
